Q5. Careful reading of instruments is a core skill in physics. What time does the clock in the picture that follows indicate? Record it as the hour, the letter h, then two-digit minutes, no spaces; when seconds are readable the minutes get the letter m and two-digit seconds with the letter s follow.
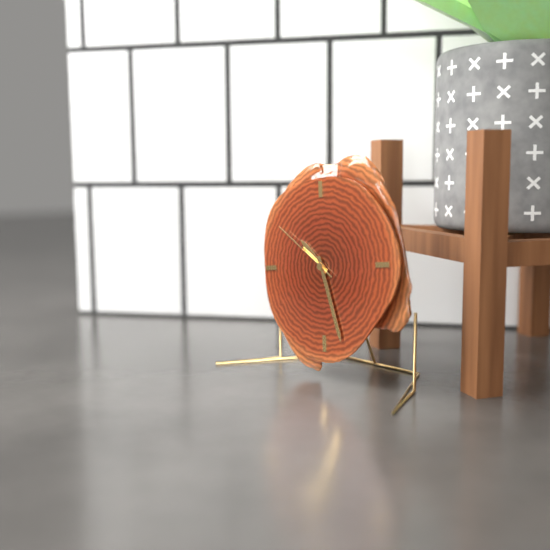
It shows 10h27m51s
